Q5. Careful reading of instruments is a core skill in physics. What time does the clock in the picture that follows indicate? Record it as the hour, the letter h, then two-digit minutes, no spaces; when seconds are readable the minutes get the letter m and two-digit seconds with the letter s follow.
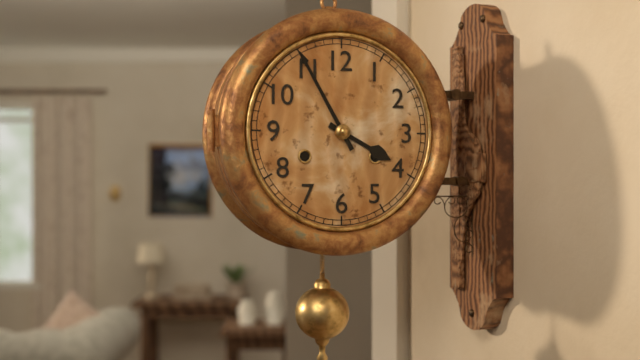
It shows 3h55
